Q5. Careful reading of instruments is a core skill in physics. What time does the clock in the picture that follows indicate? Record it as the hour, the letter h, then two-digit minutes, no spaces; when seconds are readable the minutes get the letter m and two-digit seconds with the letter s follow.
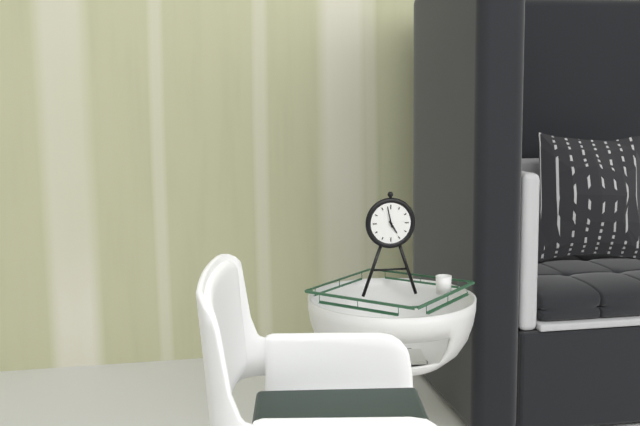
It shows 4h58
